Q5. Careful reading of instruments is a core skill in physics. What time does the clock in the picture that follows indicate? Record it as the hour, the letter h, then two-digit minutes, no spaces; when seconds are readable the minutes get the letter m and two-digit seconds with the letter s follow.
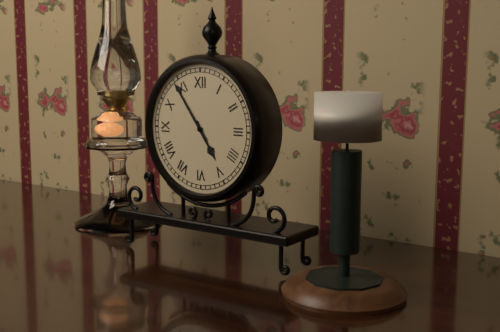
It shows 4h54
